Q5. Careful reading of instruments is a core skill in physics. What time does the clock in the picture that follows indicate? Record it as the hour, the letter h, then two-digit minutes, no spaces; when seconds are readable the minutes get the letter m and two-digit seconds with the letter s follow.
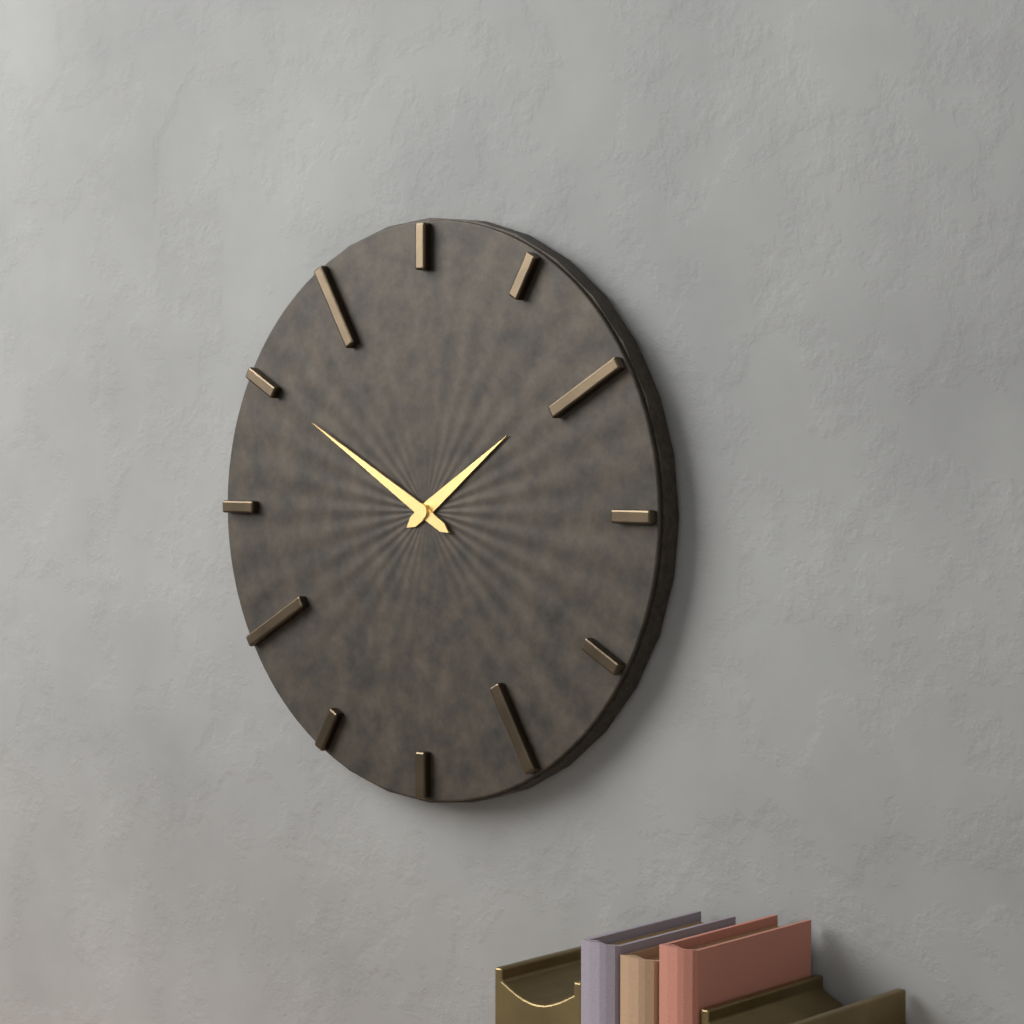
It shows 1h50
